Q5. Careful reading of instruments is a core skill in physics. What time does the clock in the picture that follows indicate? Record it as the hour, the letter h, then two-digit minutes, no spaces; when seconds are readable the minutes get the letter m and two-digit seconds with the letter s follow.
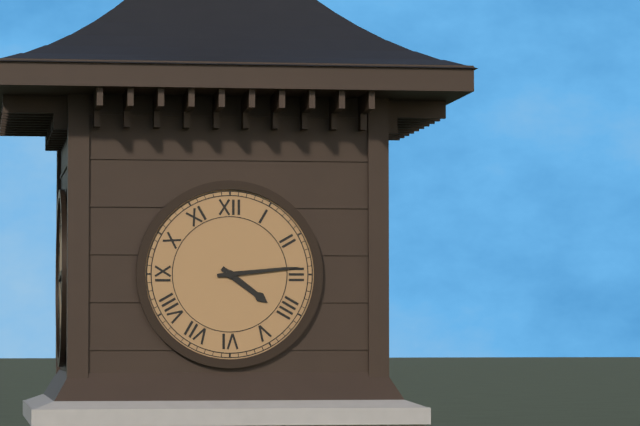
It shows 4h14
